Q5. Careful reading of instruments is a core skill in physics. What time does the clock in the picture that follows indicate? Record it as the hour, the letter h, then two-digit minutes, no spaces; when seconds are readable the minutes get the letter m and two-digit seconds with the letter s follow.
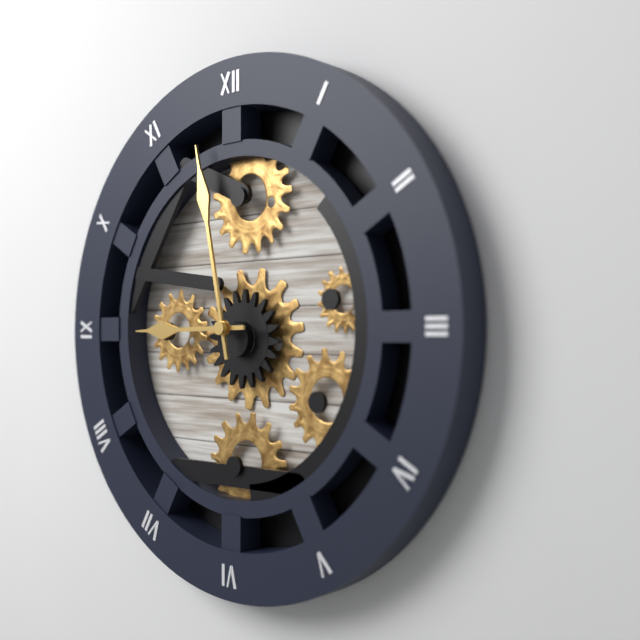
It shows 8h58
